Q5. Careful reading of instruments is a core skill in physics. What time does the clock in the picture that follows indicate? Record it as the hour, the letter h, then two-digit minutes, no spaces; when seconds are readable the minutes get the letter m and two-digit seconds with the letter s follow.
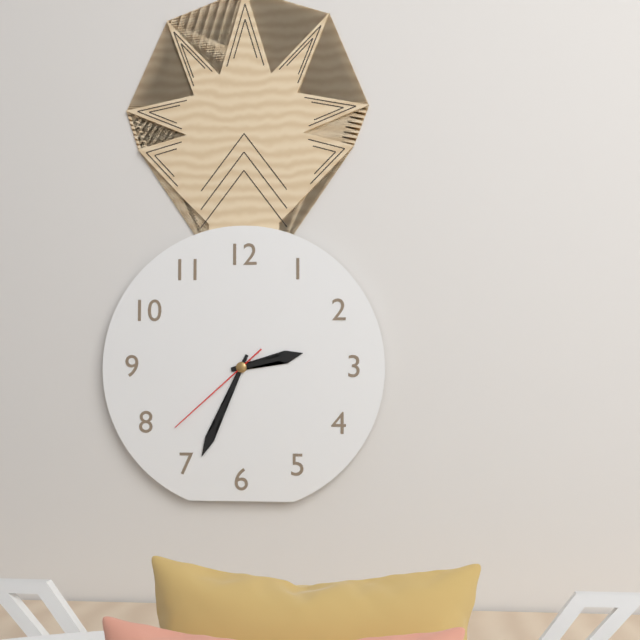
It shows 2h34m38s
